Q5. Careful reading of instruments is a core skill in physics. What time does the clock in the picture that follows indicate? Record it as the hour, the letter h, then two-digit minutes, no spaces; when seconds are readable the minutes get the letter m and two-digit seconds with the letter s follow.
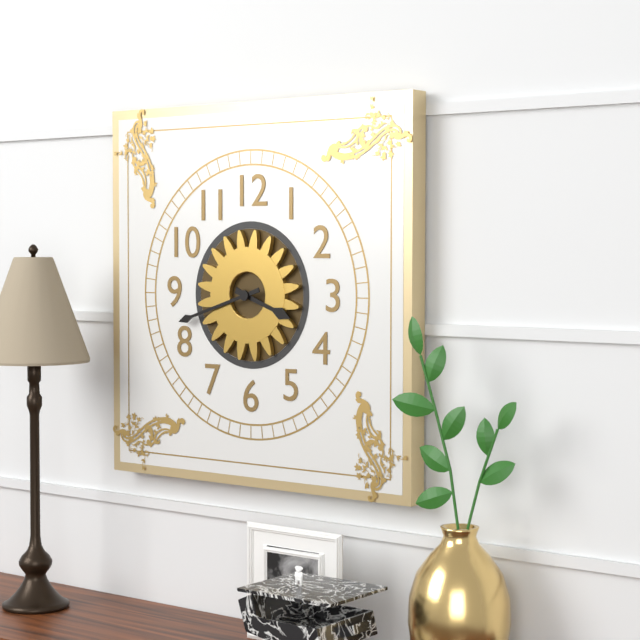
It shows 3h42
